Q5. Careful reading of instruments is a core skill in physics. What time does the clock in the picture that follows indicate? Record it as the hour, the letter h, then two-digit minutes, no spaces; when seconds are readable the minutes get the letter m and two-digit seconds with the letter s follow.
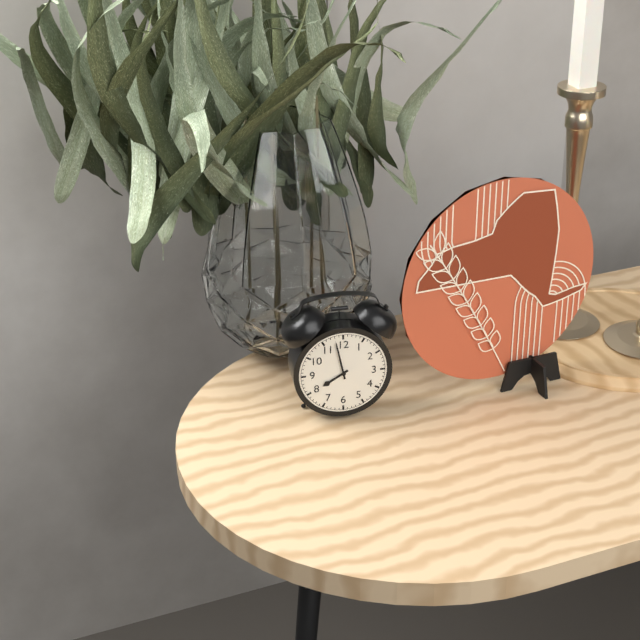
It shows 7h58
